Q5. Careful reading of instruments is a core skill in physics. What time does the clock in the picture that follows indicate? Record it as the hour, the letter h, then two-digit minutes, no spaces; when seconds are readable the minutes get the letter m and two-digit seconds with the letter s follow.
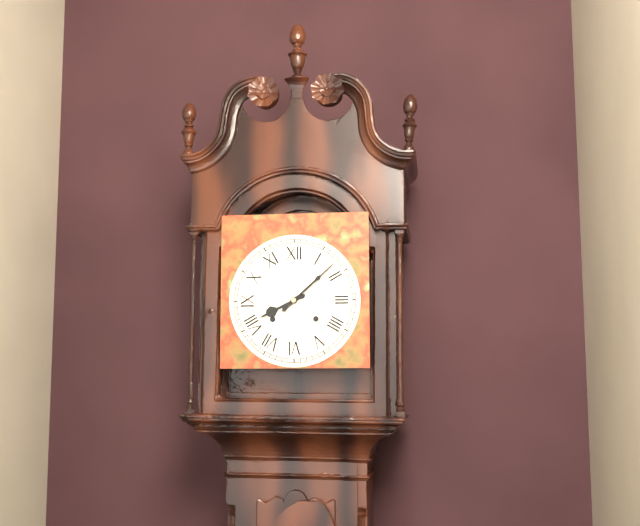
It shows 8h08
